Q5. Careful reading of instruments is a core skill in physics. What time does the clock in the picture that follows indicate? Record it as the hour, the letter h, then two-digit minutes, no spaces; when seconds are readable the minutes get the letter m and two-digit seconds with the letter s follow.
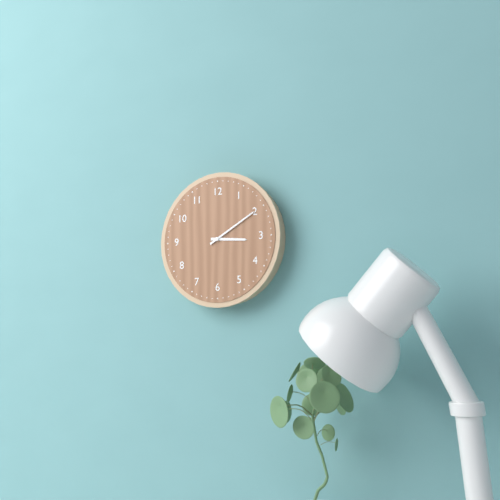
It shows 3h10
